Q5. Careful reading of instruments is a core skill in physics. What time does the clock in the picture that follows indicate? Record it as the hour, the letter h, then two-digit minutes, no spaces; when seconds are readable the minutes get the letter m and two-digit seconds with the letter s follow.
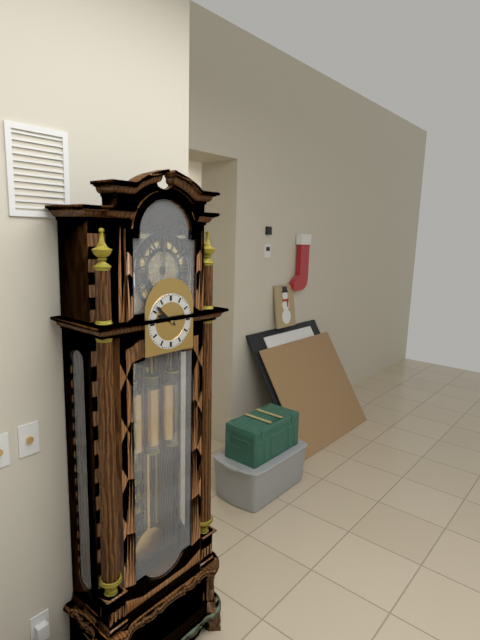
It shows 9h52
